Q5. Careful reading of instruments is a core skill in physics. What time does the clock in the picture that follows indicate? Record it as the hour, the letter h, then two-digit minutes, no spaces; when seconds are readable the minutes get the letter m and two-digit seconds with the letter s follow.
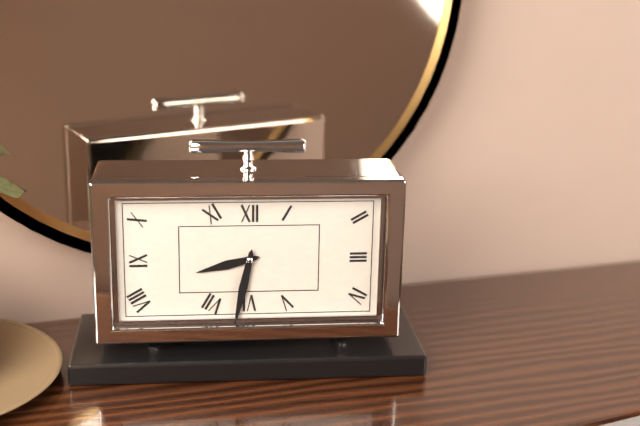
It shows 8h32
